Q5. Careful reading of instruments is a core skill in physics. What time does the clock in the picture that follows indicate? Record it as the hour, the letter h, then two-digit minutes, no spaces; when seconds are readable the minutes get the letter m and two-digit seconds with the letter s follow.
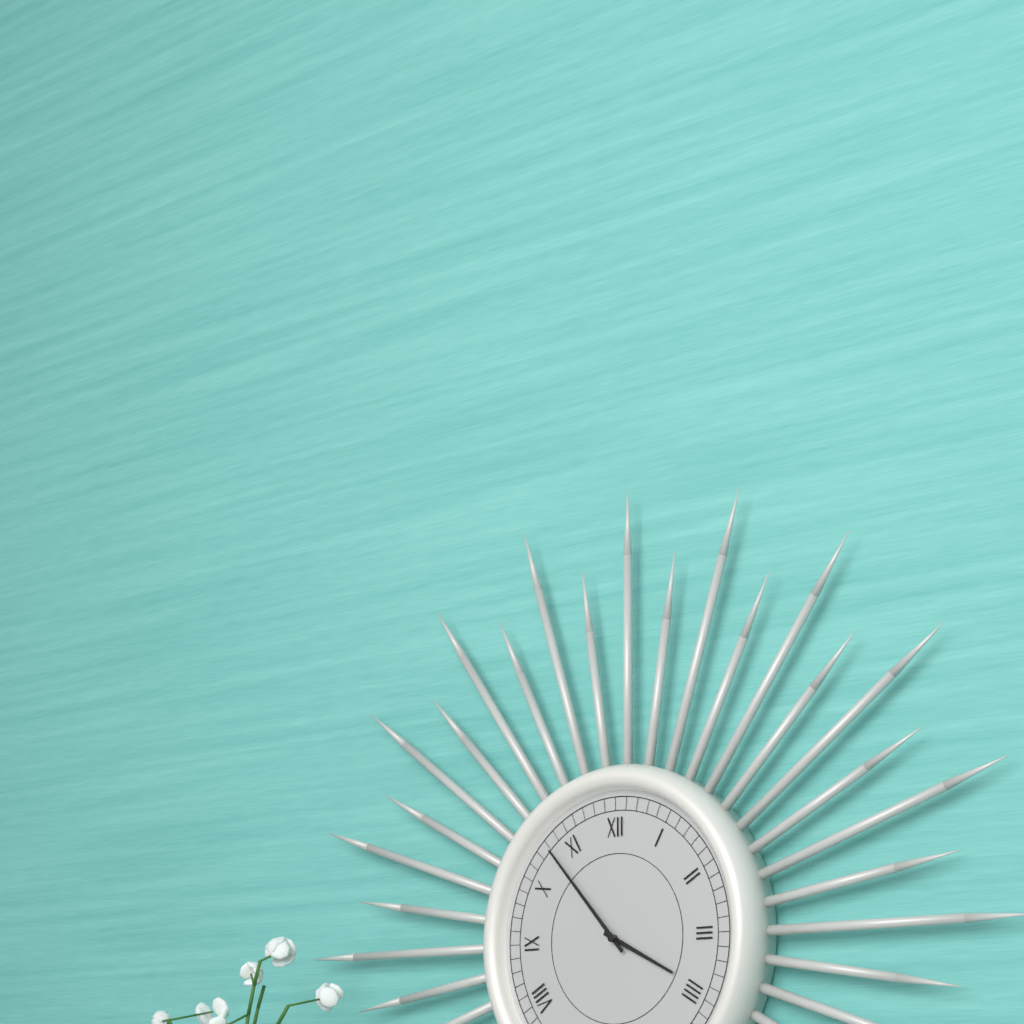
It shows 3h53
